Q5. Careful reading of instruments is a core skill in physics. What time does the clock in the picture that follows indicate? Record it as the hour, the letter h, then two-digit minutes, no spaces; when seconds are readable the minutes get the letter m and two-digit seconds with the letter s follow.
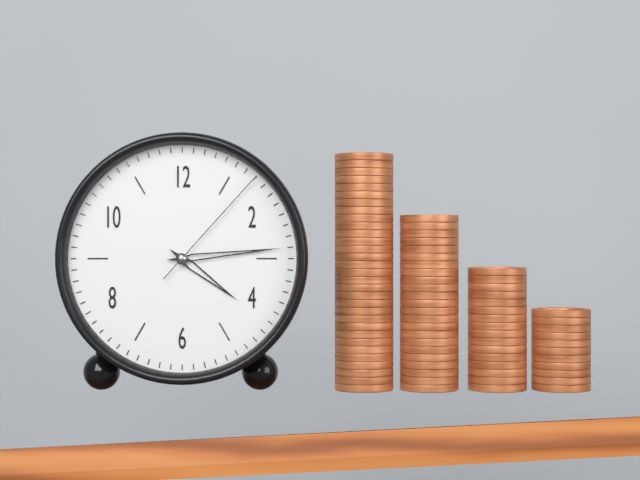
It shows 4h14m07s
